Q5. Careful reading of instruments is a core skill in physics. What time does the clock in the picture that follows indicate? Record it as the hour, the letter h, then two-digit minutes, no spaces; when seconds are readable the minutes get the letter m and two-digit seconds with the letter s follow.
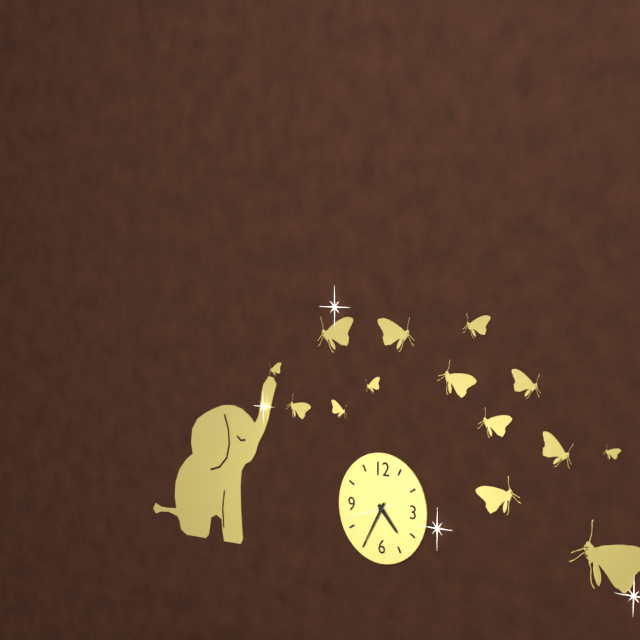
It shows 4h35
